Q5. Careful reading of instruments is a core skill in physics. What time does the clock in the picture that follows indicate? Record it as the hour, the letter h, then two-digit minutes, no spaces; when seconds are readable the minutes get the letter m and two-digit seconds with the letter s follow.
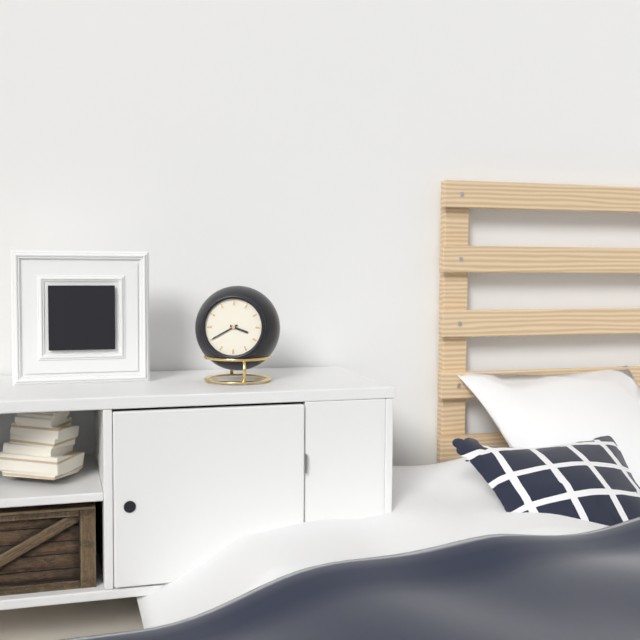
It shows 3h40
